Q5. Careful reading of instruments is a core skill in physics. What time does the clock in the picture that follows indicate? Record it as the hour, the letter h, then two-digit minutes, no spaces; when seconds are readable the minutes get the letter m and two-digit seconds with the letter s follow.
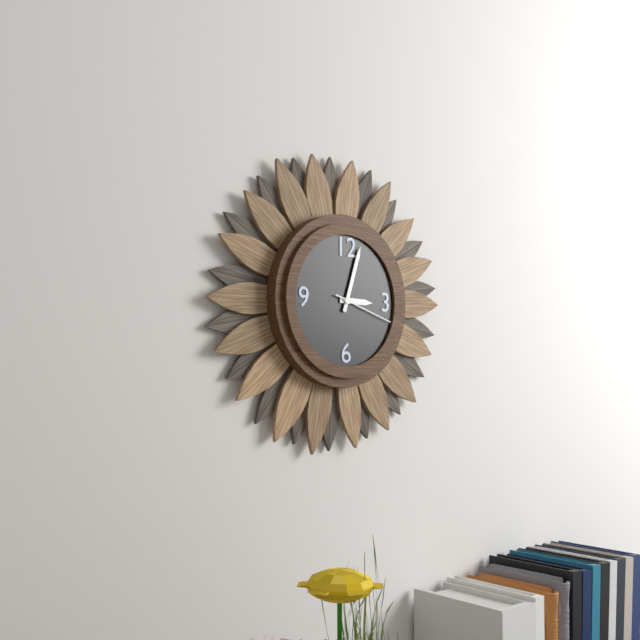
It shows 3h03m18s
